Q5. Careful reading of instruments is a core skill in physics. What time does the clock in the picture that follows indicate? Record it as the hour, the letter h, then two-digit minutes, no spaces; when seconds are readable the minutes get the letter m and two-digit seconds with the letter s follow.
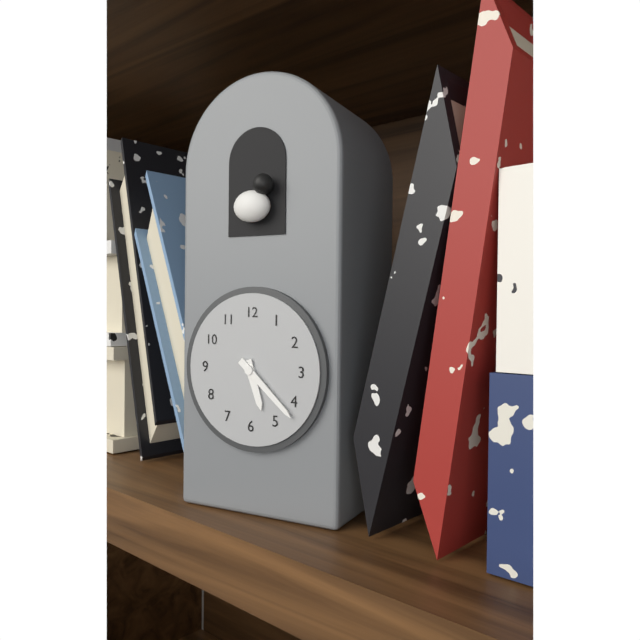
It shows 5h22
